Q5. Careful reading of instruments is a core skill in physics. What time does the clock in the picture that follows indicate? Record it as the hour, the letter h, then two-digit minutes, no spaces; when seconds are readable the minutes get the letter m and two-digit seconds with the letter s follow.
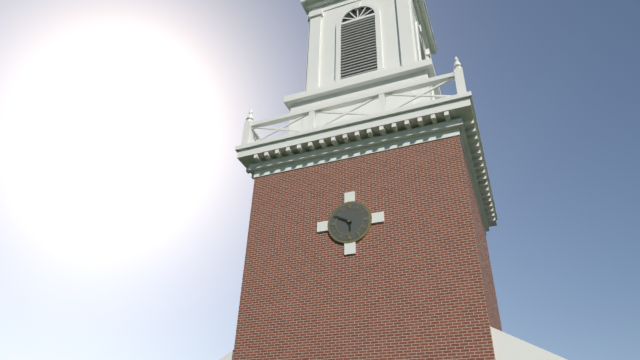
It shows 5h50
